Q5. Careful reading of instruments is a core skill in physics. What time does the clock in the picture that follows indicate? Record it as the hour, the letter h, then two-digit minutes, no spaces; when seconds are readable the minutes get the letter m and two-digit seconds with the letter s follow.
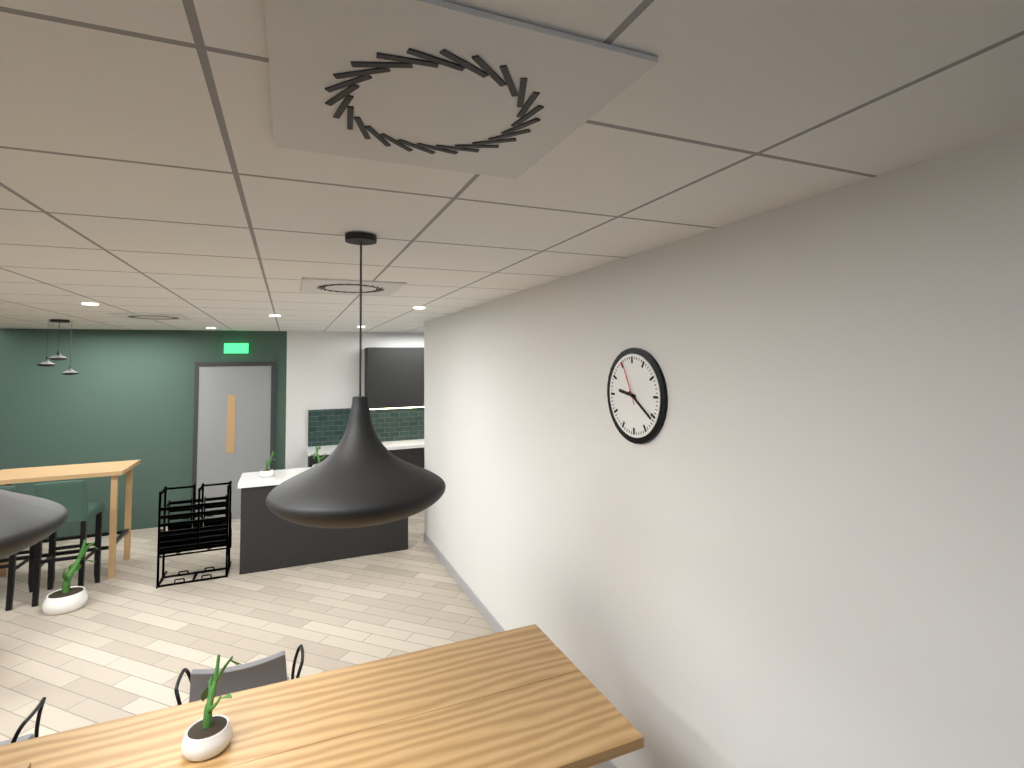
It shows 9h21
